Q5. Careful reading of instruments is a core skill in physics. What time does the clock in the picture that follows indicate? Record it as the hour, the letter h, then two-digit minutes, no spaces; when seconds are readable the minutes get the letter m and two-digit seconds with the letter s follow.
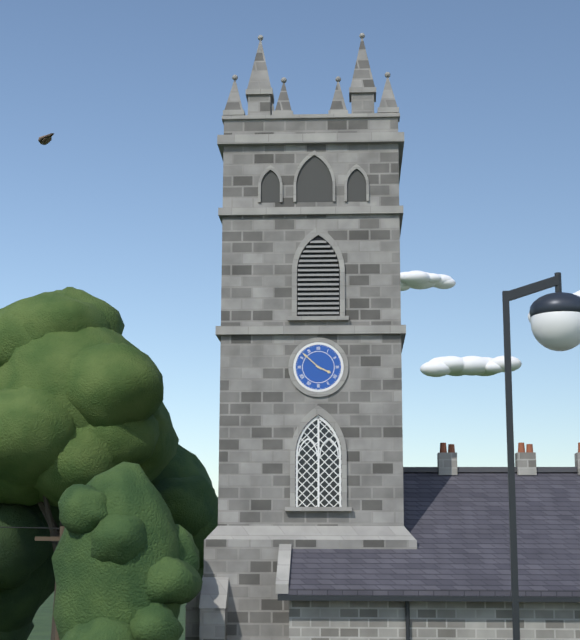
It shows 3h52
